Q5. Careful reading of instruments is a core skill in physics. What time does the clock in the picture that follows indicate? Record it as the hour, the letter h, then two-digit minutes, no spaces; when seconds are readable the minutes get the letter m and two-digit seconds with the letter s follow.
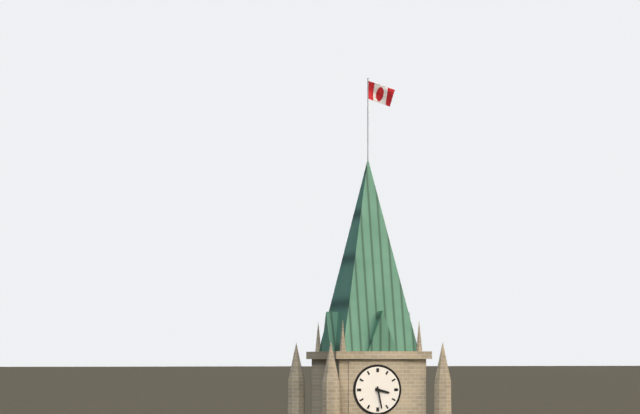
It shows 3h28
